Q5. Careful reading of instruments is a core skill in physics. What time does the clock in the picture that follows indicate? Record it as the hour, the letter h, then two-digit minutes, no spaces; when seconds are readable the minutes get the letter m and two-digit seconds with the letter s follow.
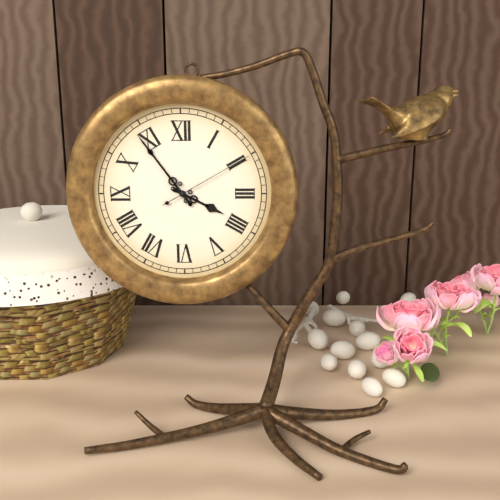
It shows 3h54m10s
